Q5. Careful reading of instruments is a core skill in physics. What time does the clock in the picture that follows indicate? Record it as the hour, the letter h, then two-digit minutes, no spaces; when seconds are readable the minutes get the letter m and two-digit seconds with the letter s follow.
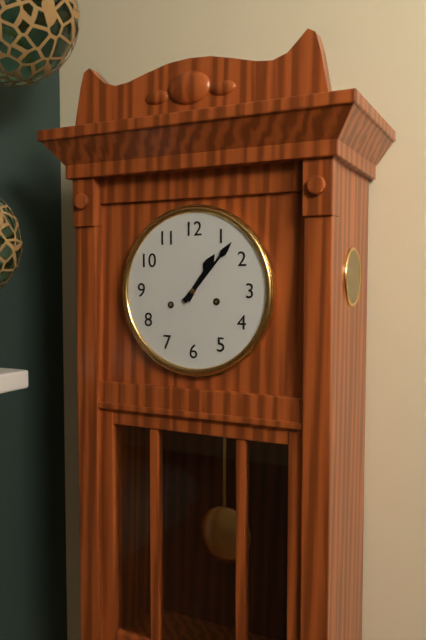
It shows 1h07
